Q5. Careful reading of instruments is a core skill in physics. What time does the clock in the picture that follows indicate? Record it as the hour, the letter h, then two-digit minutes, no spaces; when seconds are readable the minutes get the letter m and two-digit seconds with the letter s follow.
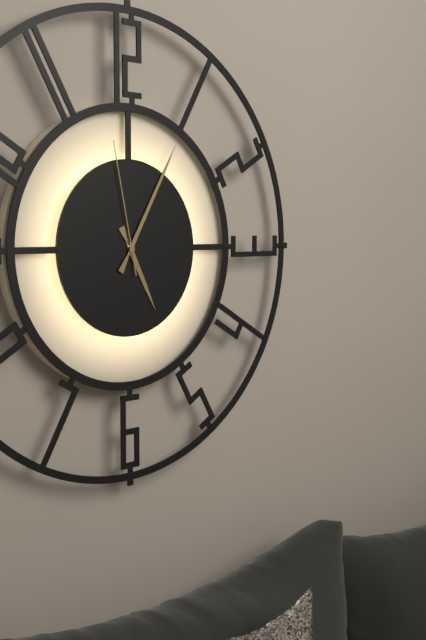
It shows 5h05m58s
